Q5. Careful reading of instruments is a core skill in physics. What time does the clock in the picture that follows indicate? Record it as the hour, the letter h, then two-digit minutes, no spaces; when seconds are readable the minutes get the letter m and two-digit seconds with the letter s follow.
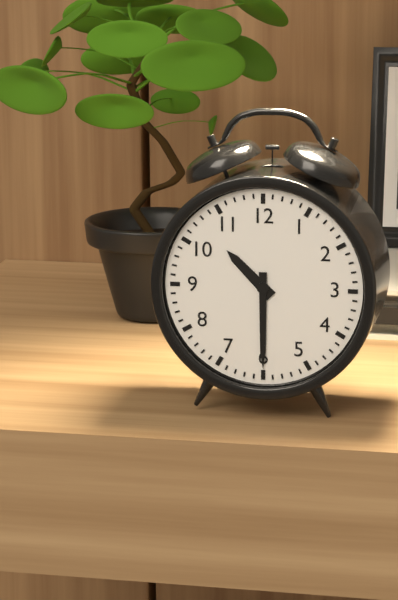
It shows 10h30
